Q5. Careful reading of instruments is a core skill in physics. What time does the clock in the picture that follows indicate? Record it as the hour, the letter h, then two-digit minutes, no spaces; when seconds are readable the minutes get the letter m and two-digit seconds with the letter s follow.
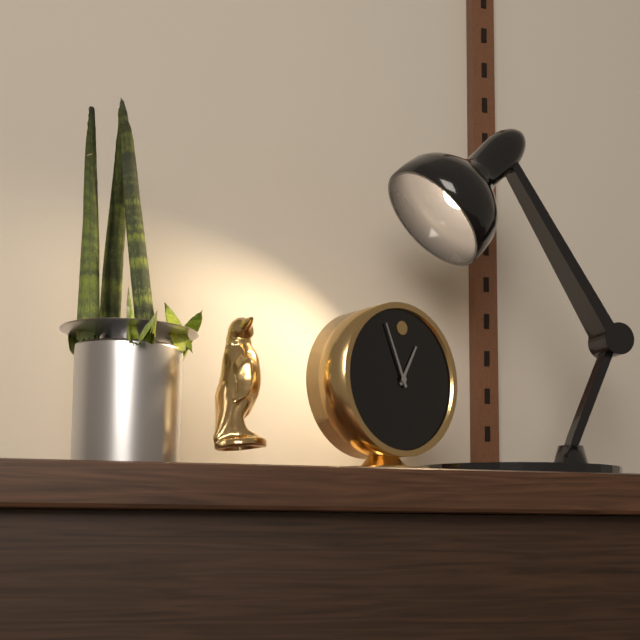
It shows 12h56
